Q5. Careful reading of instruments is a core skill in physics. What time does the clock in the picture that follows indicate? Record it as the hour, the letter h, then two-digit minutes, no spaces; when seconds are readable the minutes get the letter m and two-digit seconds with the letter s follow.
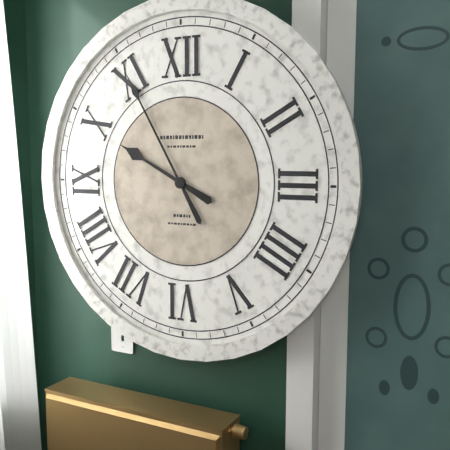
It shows 9h55
